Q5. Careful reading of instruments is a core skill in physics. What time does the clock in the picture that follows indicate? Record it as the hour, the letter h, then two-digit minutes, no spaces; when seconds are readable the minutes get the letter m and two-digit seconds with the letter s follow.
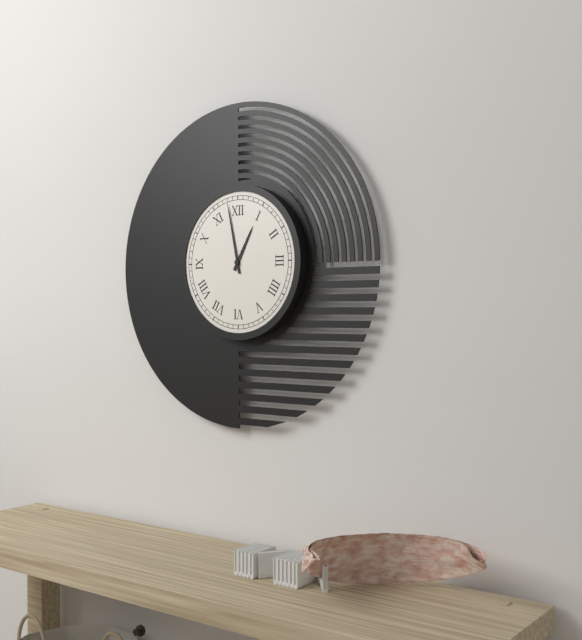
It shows 12h58
